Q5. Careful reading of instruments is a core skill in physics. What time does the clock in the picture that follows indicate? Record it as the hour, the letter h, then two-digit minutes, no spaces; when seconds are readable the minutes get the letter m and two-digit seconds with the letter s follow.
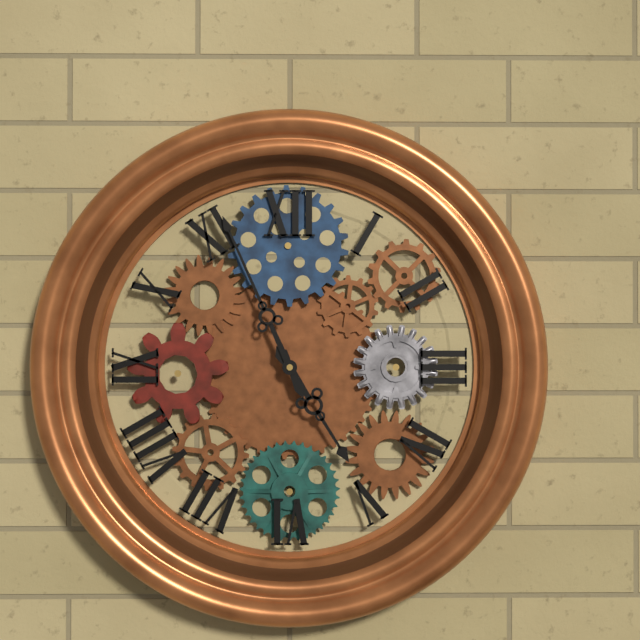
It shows 4h56
